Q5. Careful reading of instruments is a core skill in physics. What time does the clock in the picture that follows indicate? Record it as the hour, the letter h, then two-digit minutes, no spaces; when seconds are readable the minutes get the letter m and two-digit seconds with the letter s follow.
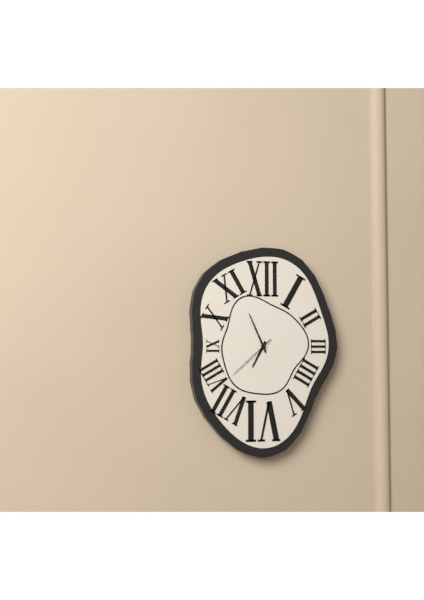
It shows 6h56
